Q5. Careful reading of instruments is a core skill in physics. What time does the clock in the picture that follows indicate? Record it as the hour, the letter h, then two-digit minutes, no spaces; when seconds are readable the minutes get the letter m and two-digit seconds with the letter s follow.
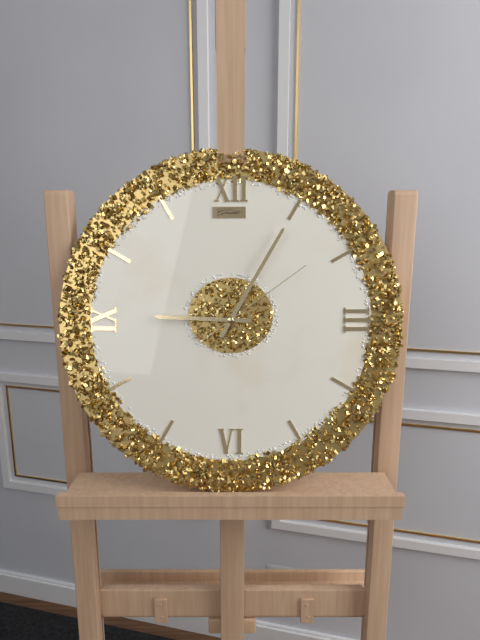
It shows 9h05m09s
